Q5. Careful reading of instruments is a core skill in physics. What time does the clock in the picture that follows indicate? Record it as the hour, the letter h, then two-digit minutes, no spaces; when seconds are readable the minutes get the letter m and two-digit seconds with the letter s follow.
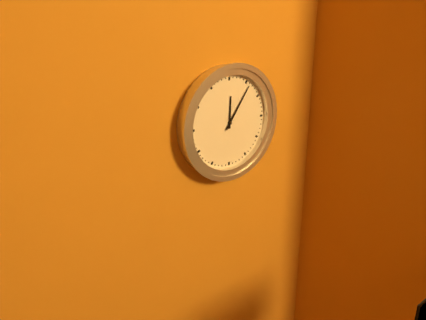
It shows 12h06
